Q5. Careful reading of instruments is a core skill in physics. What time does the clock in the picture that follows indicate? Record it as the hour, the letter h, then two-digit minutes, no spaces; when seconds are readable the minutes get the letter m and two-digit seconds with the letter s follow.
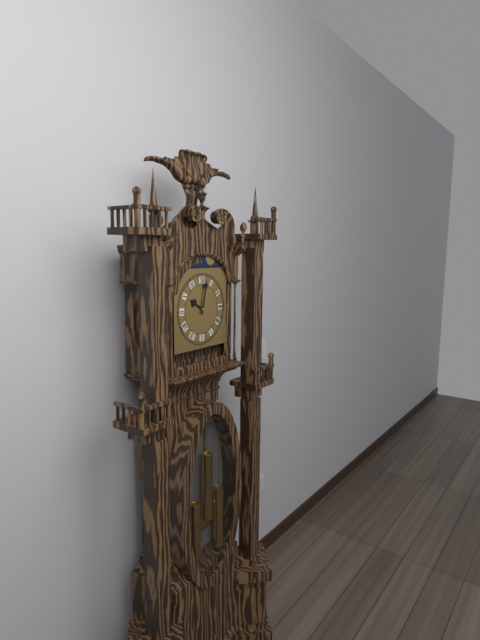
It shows 10h02
